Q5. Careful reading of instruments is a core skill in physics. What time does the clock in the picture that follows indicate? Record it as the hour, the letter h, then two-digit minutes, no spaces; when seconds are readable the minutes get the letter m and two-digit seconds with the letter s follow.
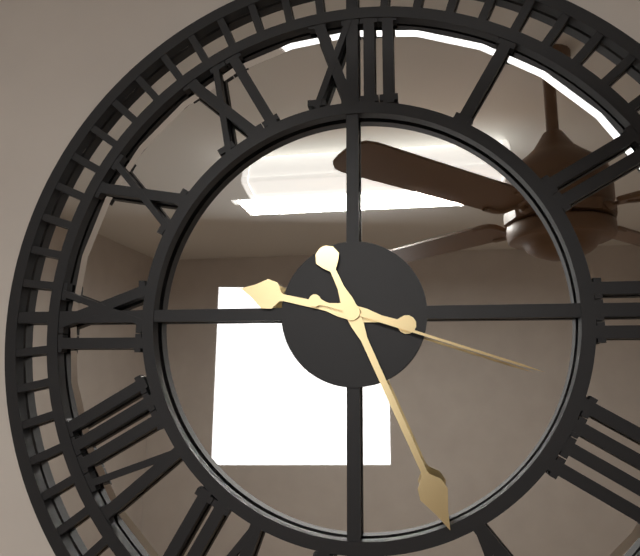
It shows 9h26m18s
